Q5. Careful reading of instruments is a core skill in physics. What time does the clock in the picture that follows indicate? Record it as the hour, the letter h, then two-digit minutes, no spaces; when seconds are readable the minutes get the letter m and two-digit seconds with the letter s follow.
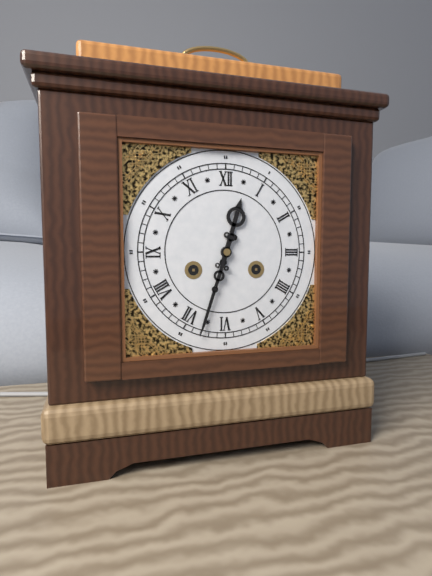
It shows 12h33
